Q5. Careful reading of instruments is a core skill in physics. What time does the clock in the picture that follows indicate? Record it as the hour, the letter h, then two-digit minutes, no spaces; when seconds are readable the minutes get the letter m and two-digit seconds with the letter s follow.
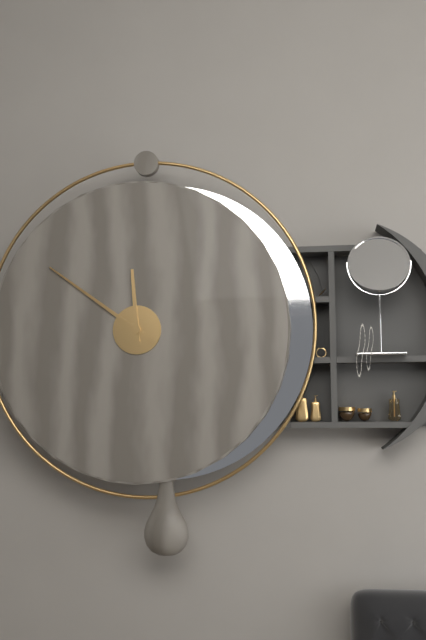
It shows 11h51
